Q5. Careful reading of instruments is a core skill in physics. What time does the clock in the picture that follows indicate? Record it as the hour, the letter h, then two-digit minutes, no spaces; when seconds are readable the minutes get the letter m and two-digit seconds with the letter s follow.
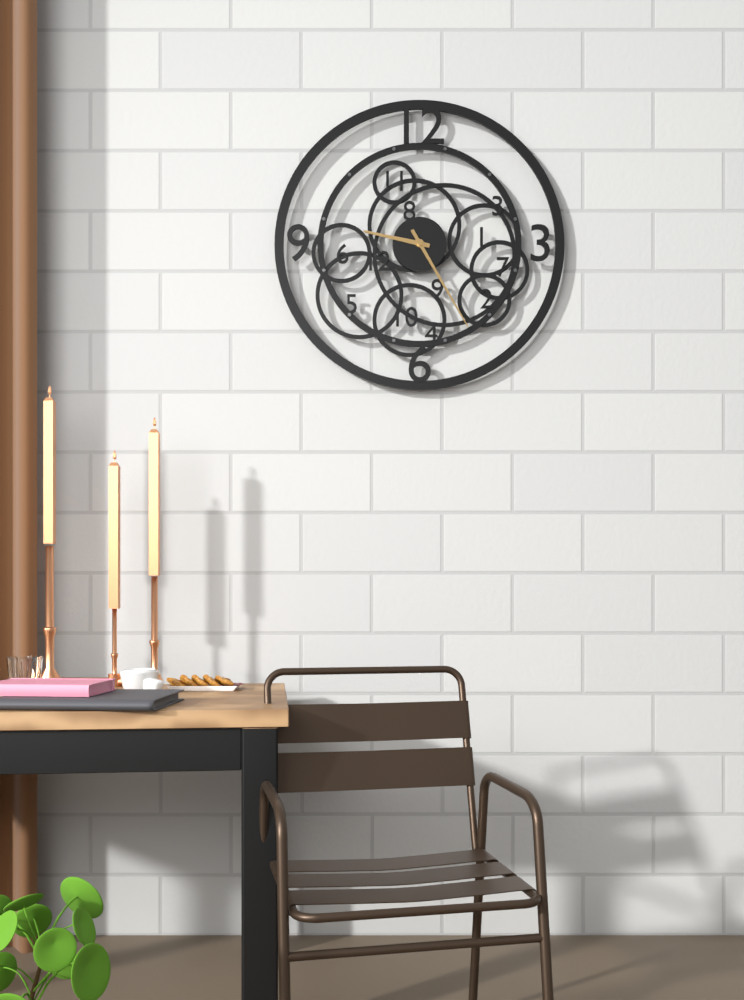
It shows 9h25
